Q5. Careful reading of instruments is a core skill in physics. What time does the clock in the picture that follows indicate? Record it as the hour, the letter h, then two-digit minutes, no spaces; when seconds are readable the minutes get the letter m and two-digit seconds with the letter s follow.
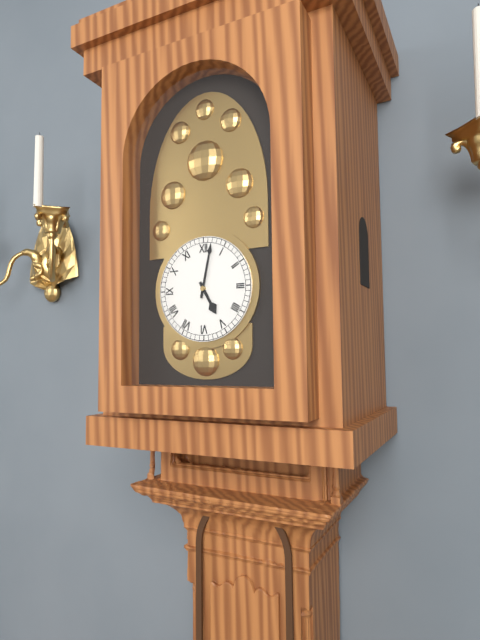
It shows 5h02
